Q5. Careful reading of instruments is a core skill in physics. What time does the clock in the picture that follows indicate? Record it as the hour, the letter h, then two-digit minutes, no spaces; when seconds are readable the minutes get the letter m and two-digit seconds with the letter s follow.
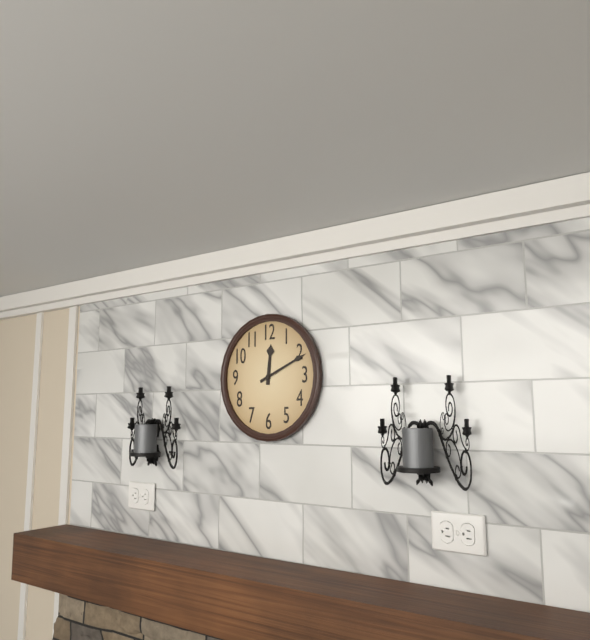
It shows 12h11
